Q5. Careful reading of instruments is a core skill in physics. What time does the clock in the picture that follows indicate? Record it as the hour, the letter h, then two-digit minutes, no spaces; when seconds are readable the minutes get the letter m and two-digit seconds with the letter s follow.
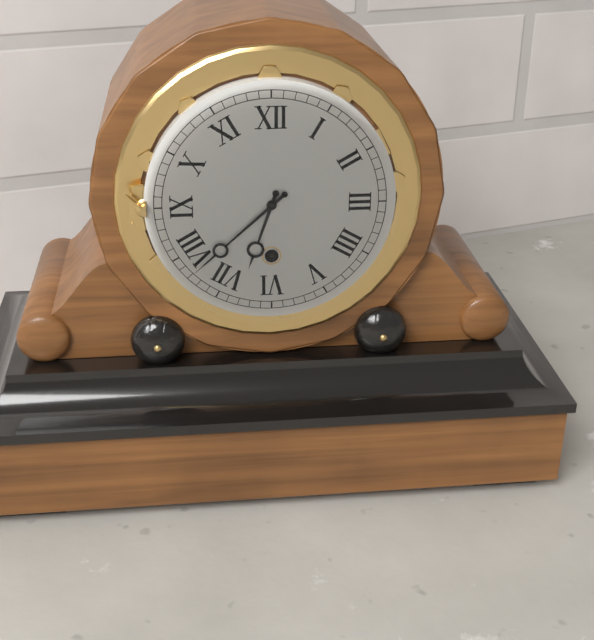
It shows 6h38
